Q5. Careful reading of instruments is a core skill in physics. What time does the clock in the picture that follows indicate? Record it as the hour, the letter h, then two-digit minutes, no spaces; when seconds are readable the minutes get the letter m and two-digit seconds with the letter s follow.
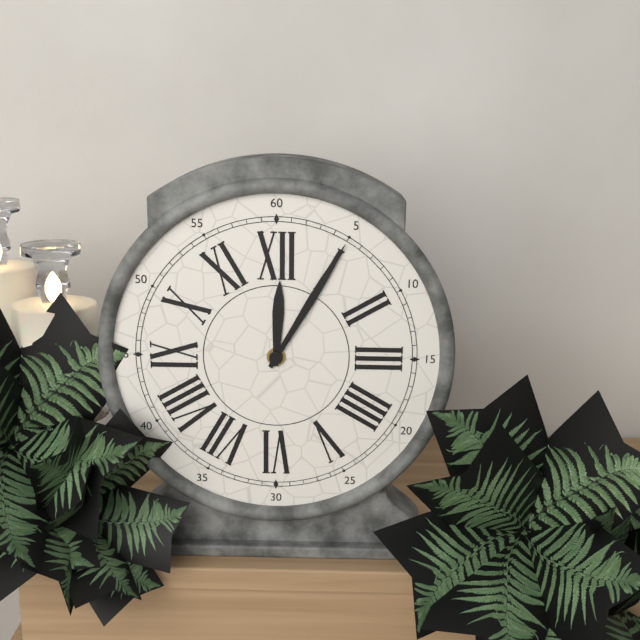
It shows 12h05
